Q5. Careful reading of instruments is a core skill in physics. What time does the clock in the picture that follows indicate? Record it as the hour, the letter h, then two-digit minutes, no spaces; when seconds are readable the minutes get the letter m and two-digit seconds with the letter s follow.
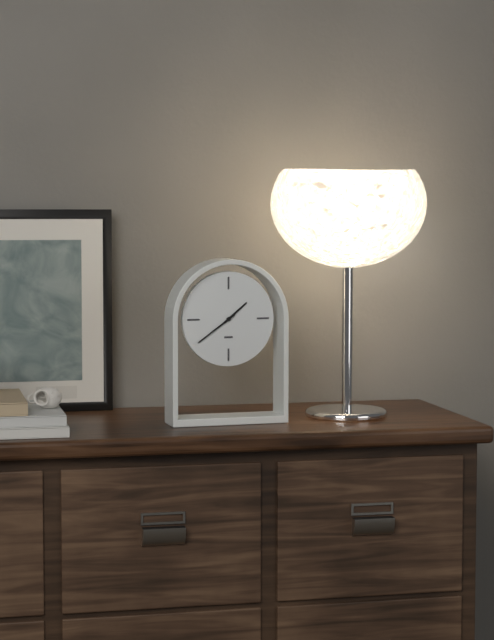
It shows 1h39
